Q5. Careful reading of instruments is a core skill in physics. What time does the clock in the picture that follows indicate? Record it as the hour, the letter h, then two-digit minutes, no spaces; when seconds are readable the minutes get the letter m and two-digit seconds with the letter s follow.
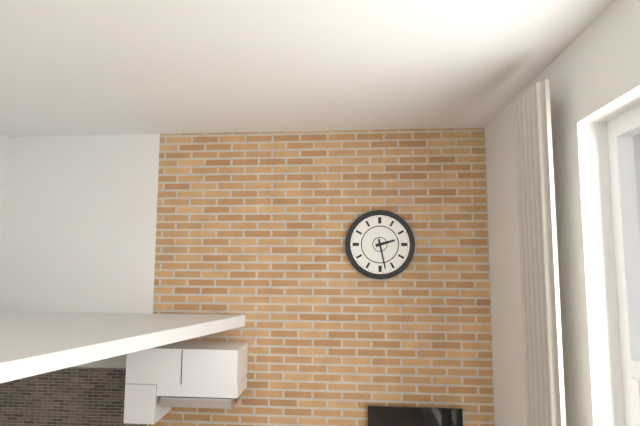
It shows 2h28
